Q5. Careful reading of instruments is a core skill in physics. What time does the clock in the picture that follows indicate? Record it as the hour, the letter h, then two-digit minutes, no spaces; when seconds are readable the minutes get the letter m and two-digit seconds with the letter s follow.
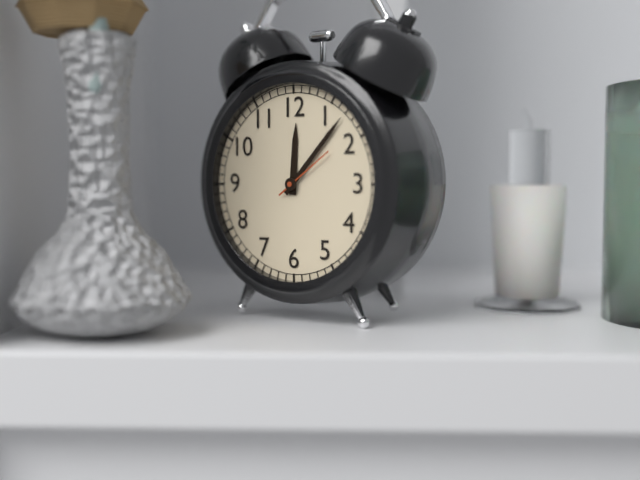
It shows 12h07m09s
